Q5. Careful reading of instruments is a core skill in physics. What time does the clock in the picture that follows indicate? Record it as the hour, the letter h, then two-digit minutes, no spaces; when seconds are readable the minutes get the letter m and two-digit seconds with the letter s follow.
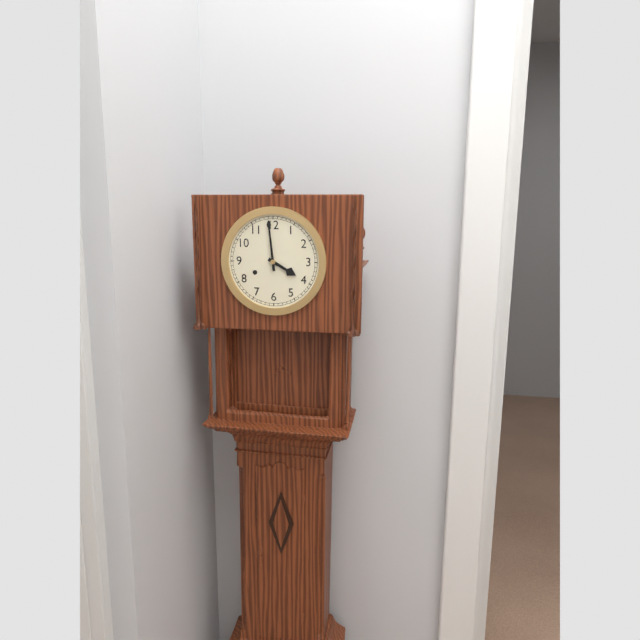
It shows 3h59
